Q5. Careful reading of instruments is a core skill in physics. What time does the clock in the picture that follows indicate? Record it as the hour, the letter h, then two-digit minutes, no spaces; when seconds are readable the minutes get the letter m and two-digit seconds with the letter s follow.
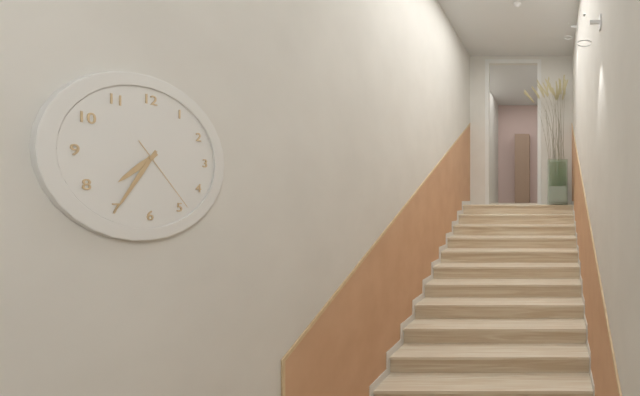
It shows 7h35m24s
